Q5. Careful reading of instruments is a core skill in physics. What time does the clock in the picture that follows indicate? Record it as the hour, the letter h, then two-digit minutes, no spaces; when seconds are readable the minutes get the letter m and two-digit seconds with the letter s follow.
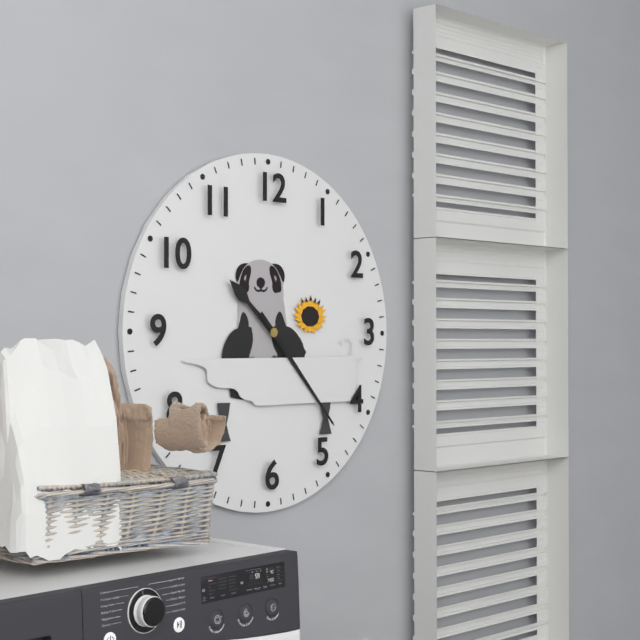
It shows 10h23
